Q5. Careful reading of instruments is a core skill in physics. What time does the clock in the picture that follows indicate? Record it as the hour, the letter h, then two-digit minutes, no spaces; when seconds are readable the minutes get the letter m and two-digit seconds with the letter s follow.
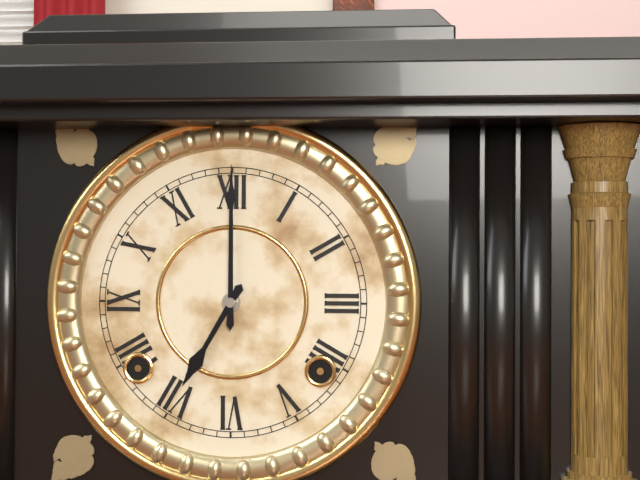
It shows 7h00
